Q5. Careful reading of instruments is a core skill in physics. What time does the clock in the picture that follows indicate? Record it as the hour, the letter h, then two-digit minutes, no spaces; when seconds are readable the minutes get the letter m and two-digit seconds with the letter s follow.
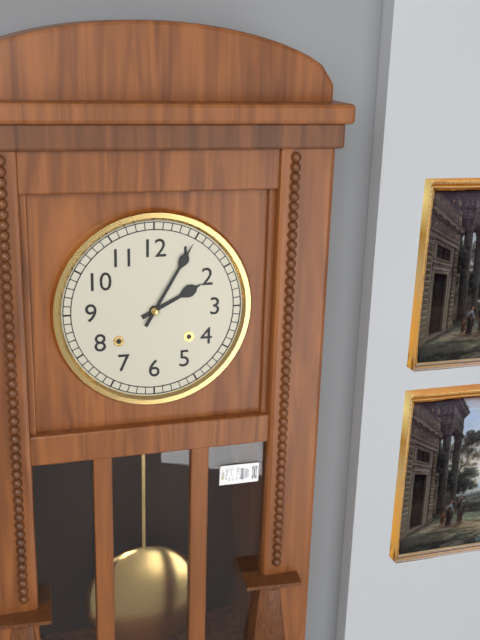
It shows 2h05
